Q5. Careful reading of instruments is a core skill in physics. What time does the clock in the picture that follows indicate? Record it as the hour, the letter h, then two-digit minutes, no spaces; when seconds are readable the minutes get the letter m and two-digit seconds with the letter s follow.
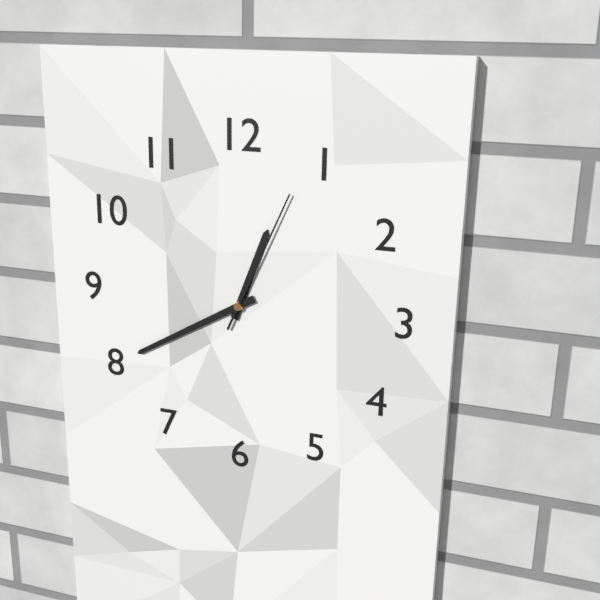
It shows 12h40m04s
